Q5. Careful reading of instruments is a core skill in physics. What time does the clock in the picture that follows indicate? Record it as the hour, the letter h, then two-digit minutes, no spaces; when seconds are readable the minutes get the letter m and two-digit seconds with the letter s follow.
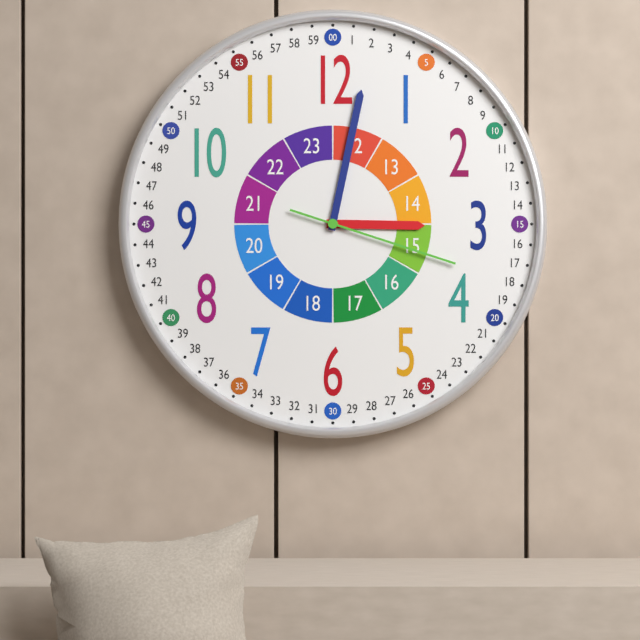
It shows 3h02m18s
